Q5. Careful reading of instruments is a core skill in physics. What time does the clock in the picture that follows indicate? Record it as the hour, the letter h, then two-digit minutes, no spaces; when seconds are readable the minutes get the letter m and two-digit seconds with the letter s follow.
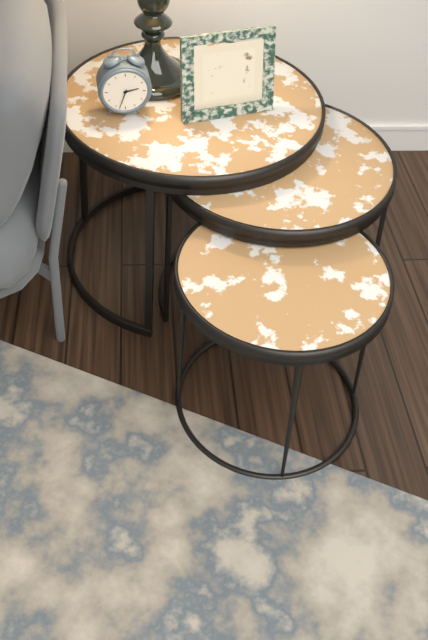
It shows 2h33
